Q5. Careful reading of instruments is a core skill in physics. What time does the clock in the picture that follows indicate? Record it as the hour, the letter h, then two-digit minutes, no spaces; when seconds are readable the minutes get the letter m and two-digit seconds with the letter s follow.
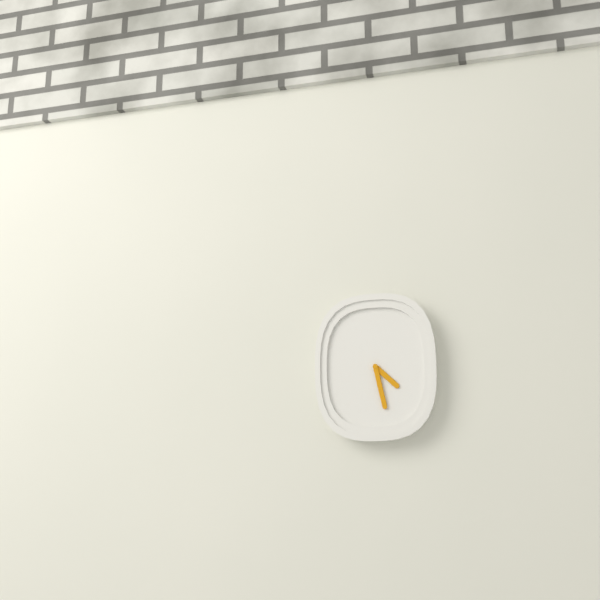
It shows 4h28
